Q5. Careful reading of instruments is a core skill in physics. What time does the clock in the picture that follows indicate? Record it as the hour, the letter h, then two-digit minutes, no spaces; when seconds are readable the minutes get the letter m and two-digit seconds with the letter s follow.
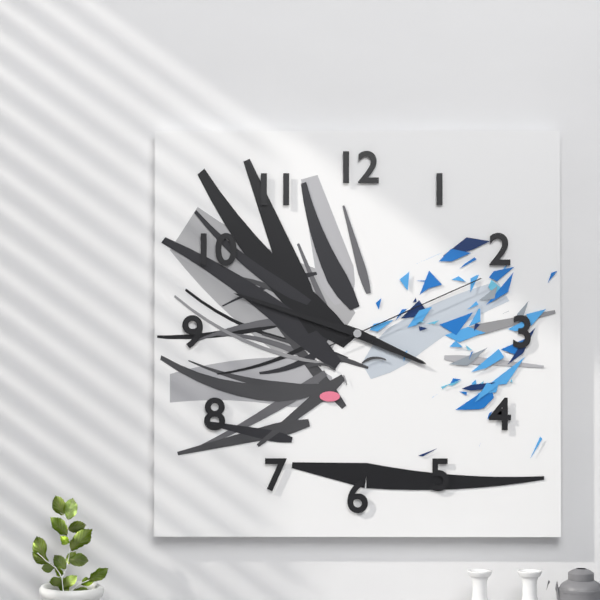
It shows 3h48m11s
